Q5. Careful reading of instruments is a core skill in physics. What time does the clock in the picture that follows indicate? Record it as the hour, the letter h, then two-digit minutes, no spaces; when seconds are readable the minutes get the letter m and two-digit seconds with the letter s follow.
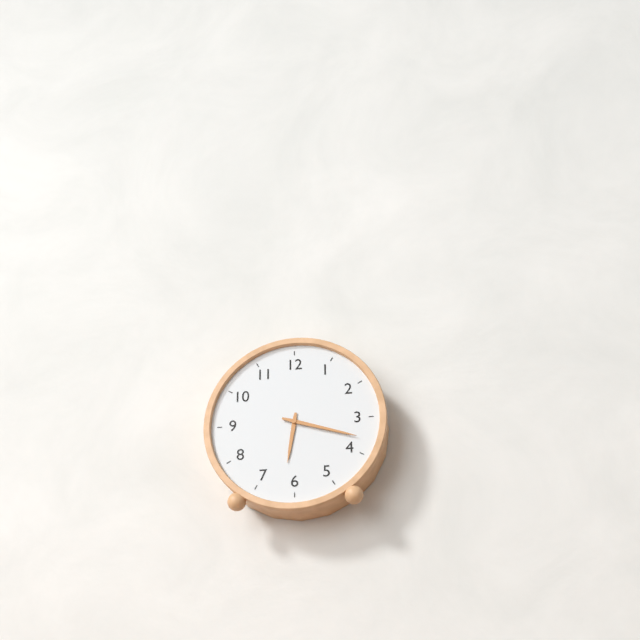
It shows 6h18
